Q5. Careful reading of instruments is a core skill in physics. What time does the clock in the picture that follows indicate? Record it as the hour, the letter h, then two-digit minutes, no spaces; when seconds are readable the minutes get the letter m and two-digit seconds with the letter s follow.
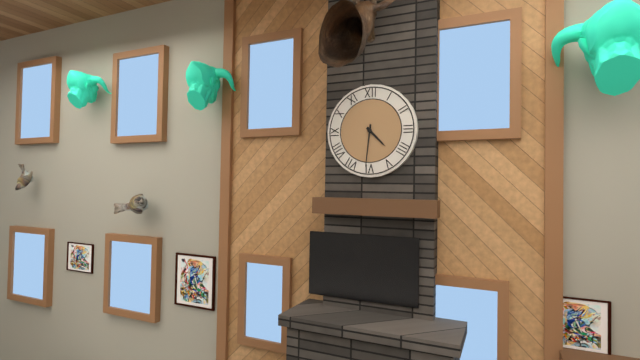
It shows 4h31
